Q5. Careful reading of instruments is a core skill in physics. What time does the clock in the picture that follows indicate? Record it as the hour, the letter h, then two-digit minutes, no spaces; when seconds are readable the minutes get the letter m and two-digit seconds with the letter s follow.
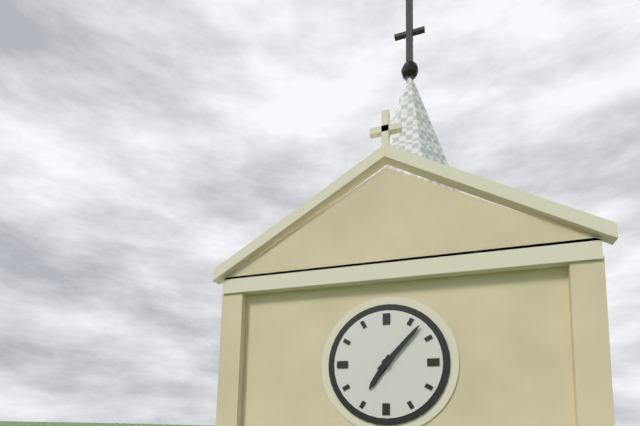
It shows 7h07
